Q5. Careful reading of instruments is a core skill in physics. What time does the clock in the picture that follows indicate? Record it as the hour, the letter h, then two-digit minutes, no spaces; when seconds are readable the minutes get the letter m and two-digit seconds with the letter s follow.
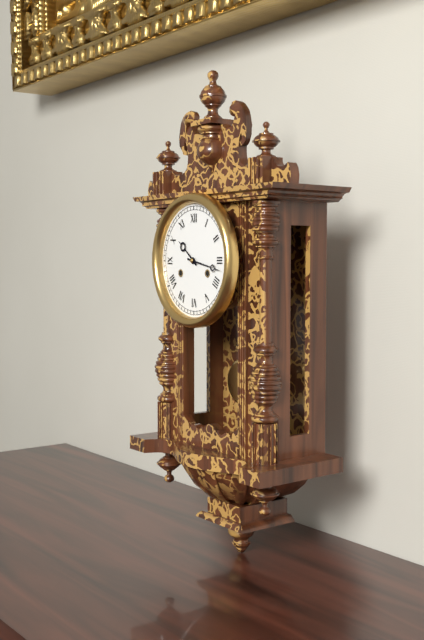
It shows 10h17
